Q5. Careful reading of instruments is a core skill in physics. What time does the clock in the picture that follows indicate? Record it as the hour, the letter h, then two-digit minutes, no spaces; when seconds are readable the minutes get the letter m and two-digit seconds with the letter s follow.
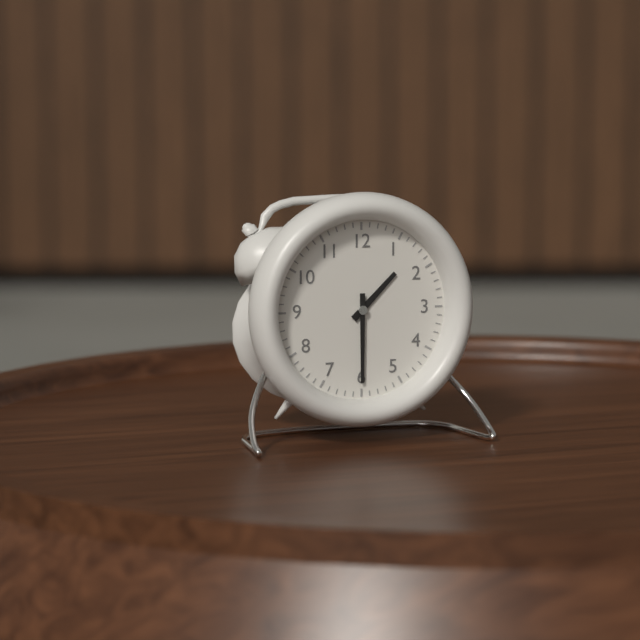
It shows 1h30
